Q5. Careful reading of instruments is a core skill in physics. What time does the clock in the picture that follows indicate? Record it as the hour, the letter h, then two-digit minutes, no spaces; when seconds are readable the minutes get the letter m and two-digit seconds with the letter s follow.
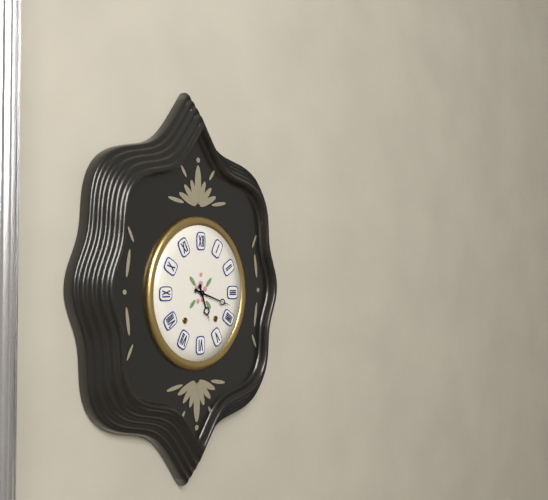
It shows 5h18
